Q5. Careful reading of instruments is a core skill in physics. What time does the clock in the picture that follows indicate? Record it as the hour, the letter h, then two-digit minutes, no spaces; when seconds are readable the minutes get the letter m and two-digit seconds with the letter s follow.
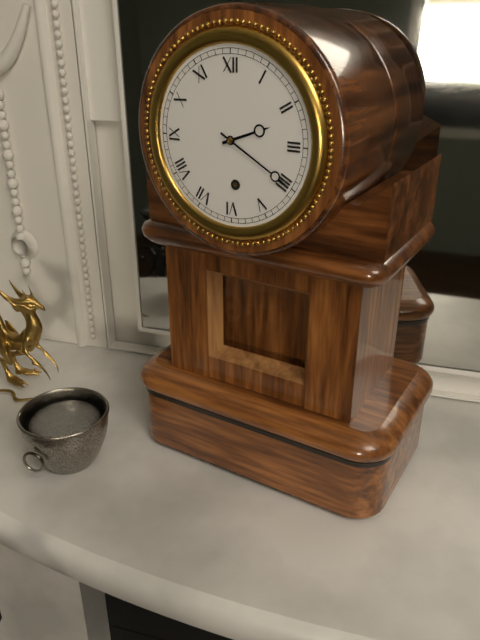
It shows 2h20
